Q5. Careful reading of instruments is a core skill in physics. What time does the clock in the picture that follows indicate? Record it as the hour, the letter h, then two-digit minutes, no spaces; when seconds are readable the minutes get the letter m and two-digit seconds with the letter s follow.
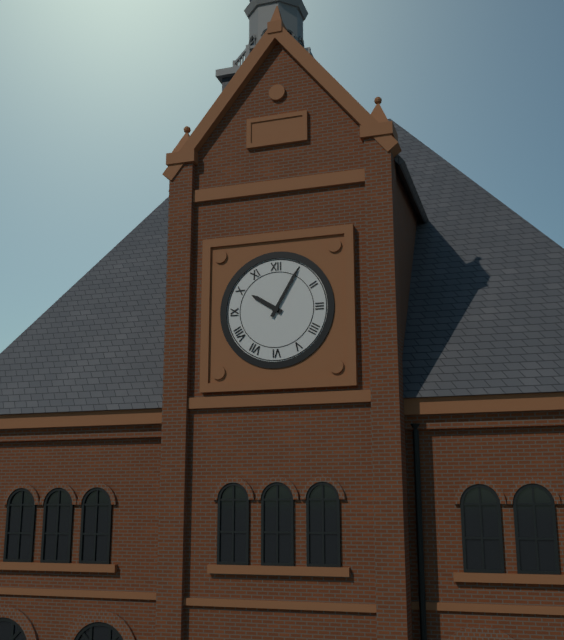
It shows 10h05
